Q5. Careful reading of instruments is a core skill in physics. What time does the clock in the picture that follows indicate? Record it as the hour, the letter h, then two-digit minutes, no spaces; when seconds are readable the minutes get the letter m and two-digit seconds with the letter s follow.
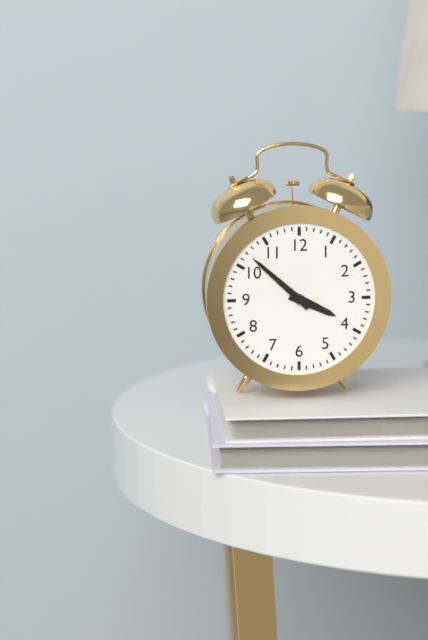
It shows 3h52
